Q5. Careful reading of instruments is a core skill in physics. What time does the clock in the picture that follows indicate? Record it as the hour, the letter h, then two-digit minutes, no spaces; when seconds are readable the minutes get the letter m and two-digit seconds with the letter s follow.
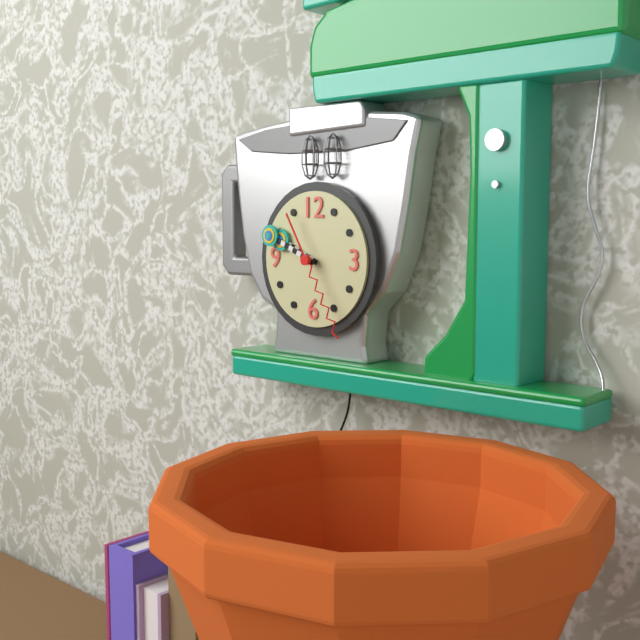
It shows 9h49m25s
